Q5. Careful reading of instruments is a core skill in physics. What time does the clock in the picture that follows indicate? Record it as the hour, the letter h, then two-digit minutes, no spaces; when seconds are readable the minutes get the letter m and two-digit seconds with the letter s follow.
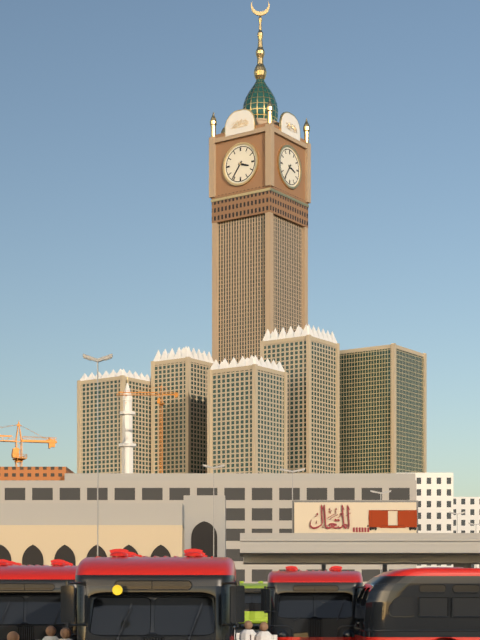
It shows 3h36
